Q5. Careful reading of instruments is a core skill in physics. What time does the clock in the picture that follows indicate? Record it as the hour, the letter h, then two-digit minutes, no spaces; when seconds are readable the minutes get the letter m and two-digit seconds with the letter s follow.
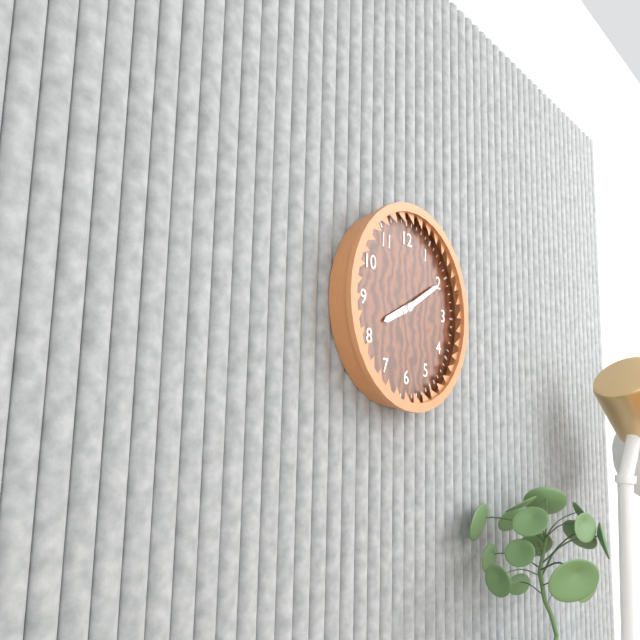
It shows 8h10
